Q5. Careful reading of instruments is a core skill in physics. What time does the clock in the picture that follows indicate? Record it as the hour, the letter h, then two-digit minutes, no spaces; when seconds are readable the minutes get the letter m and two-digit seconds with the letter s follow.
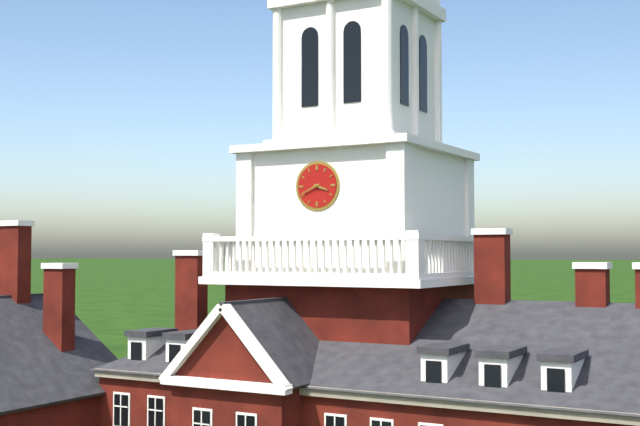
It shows 3h41
